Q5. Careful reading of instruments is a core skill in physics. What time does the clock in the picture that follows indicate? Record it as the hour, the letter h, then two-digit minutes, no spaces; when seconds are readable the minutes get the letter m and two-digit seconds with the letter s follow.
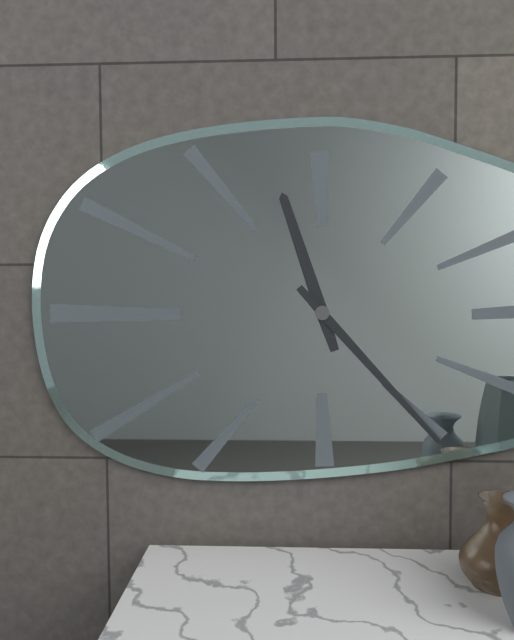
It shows 11h23
